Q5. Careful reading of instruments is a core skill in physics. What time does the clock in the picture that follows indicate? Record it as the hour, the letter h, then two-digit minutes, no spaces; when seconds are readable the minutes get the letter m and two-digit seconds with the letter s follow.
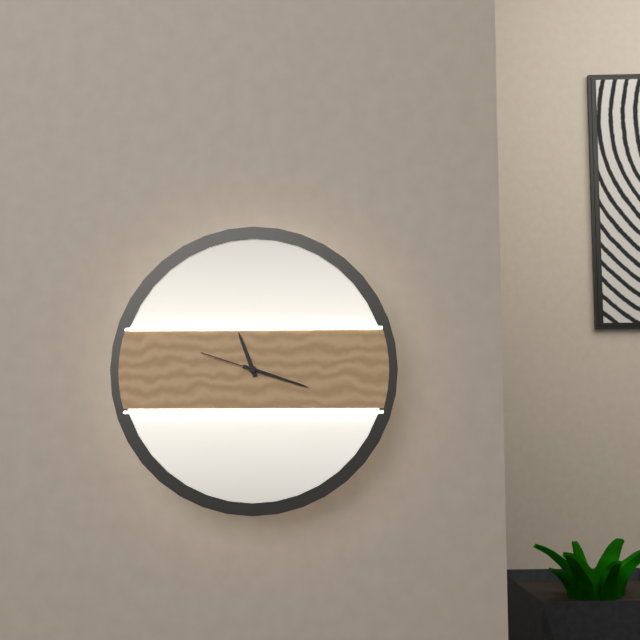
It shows 11h18m48s
